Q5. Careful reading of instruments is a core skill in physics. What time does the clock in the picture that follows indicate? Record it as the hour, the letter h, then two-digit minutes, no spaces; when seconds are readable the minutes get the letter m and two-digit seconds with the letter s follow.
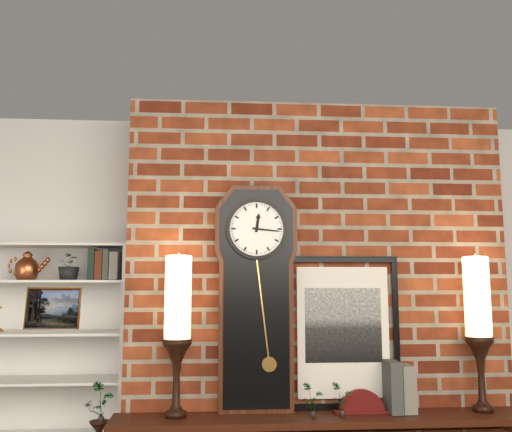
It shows 12h16
